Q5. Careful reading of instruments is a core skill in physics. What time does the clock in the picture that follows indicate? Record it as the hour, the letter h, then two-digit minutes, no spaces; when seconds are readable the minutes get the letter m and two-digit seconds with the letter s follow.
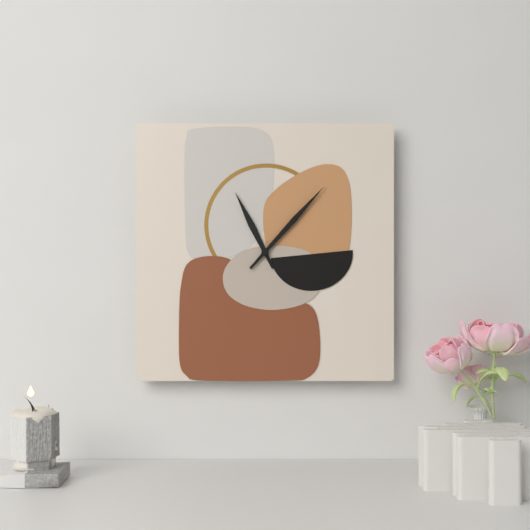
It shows 11h07
